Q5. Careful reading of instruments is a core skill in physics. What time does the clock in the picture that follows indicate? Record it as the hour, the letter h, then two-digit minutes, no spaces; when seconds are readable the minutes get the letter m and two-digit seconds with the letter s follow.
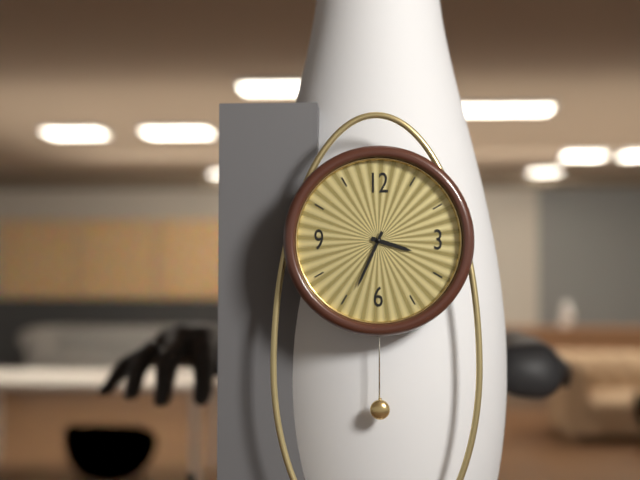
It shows 3h34
